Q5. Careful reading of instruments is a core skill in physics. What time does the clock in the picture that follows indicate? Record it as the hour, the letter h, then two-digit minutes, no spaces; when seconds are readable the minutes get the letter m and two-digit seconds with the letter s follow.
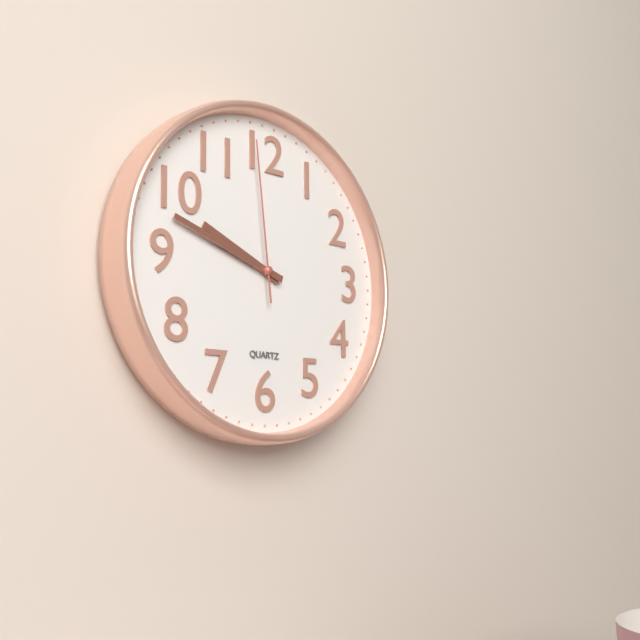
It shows 9h48m59s
